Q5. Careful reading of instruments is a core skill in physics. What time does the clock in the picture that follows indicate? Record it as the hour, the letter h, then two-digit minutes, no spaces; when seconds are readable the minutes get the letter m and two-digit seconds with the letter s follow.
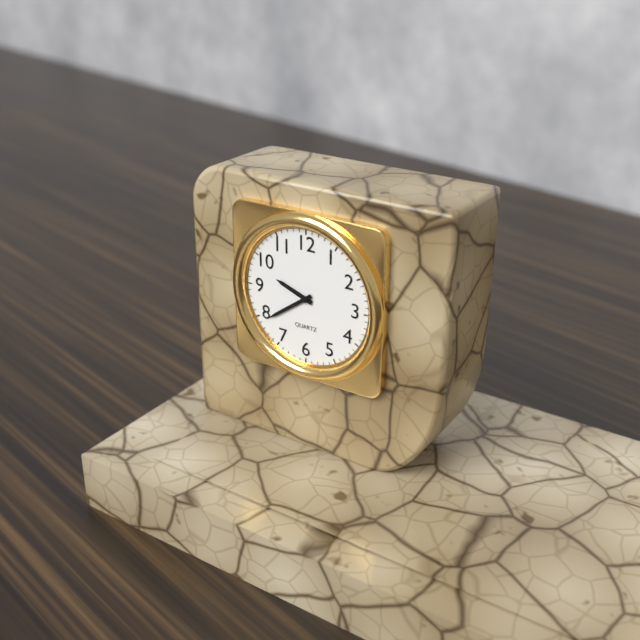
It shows 9h39
